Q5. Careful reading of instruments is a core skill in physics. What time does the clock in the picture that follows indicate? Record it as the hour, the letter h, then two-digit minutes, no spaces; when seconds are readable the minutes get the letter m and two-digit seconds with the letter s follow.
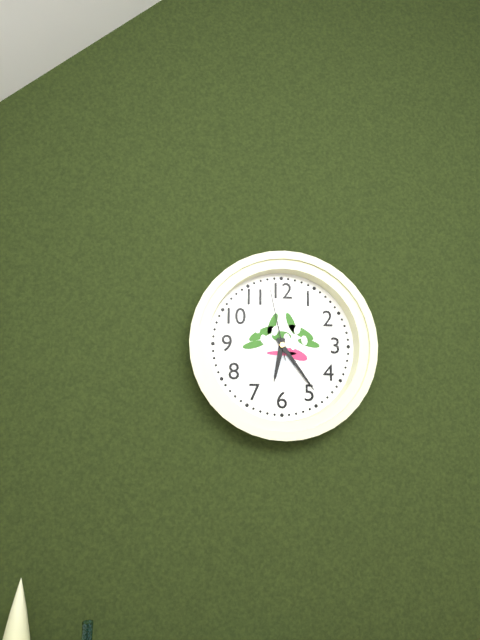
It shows 6h24m58s
